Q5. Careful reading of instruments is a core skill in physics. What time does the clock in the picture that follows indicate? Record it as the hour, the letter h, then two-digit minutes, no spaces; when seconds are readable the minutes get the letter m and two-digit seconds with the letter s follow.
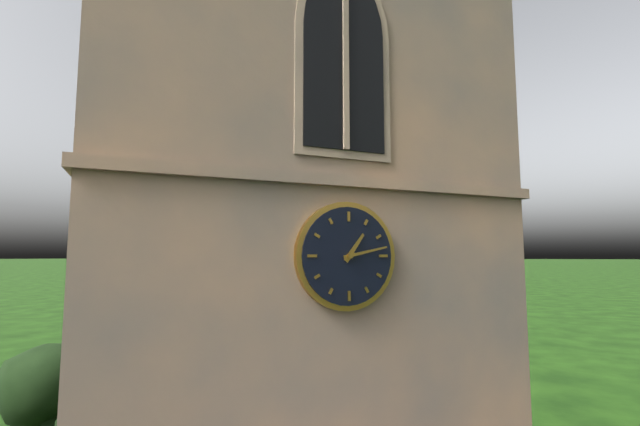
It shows 1h13
